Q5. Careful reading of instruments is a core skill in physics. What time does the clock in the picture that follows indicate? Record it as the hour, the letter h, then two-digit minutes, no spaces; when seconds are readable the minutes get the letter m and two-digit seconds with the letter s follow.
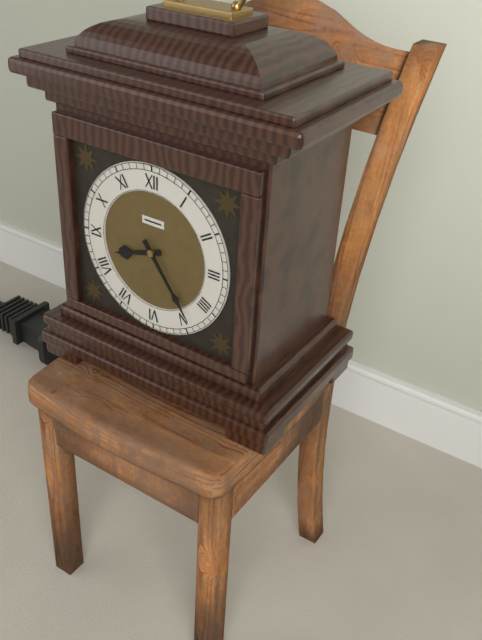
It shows 8h24
